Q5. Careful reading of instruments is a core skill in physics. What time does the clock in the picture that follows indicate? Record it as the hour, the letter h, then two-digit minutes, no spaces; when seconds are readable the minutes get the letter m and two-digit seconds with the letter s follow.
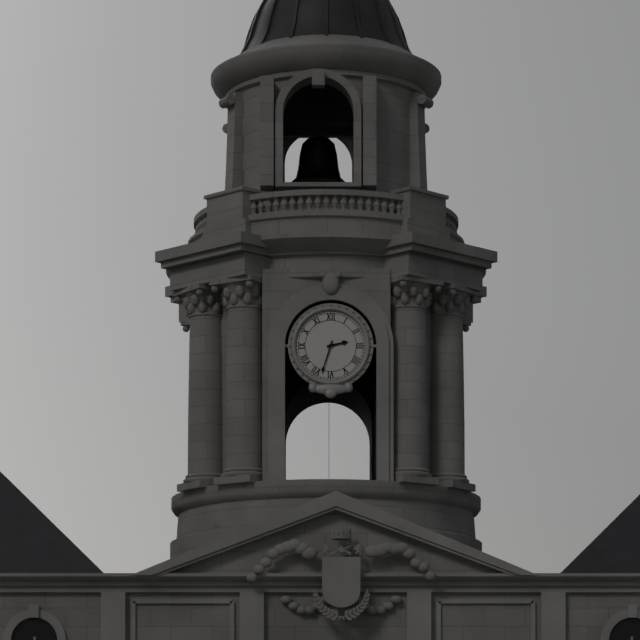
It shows 2h33
